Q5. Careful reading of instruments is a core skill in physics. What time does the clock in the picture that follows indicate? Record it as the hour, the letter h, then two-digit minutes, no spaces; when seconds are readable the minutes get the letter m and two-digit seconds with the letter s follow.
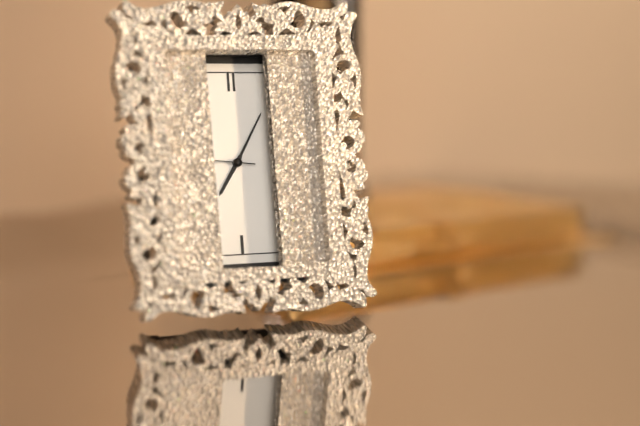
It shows 7h05
